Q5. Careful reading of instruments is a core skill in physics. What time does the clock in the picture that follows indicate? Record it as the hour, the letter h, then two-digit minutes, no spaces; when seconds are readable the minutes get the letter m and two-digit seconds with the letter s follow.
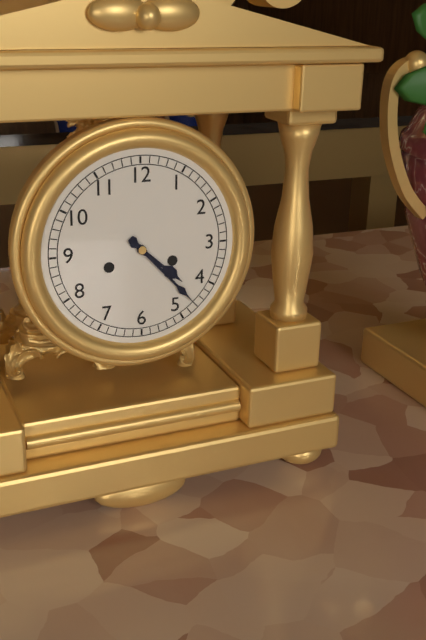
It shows 4h23
